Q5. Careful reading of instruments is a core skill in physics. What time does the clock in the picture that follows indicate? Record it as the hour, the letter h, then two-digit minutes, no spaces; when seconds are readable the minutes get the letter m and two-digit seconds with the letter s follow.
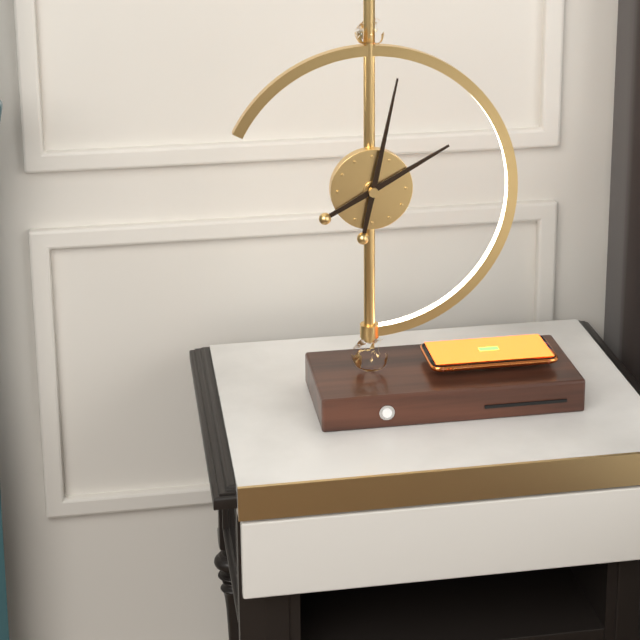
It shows 2h02
